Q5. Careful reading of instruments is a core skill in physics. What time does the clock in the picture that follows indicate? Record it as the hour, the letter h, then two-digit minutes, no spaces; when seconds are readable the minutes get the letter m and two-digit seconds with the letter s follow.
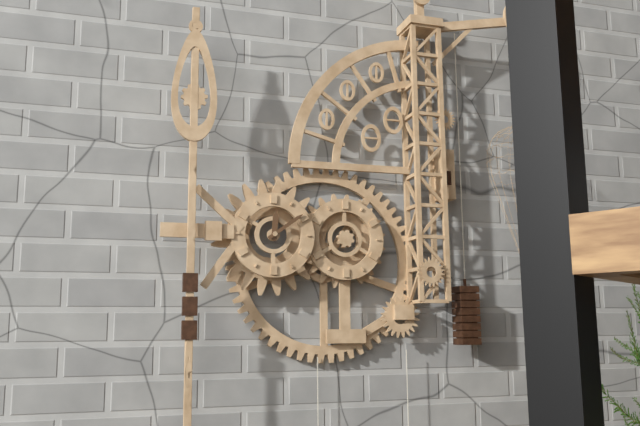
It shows 12h09
